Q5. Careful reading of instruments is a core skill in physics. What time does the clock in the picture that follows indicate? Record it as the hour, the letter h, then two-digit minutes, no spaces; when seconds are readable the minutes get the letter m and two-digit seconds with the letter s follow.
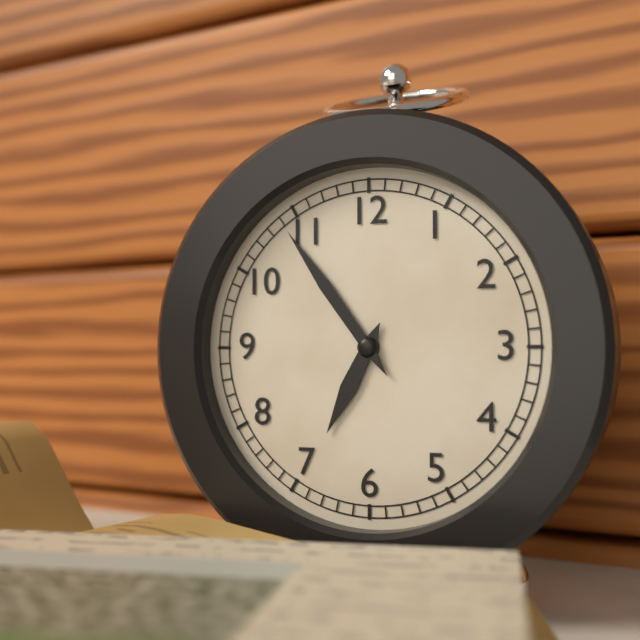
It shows 6h54
